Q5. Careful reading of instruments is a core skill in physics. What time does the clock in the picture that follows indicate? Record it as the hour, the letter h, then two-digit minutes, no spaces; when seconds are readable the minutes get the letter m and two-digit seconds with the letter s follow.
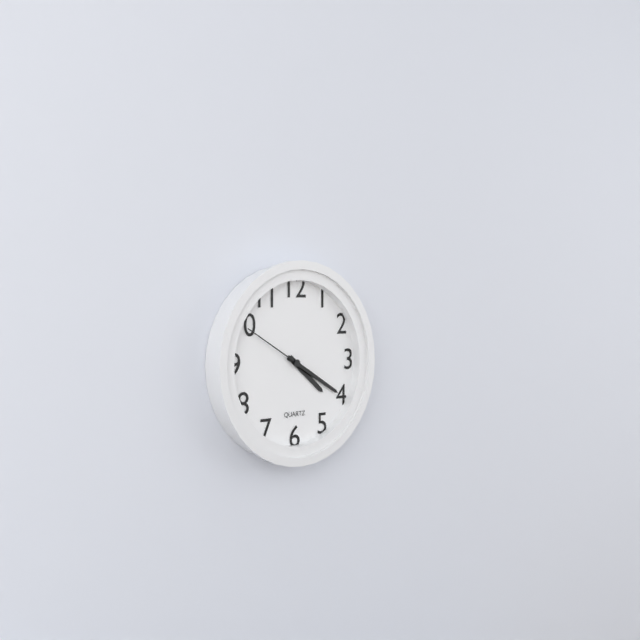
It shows 4h20m50s
